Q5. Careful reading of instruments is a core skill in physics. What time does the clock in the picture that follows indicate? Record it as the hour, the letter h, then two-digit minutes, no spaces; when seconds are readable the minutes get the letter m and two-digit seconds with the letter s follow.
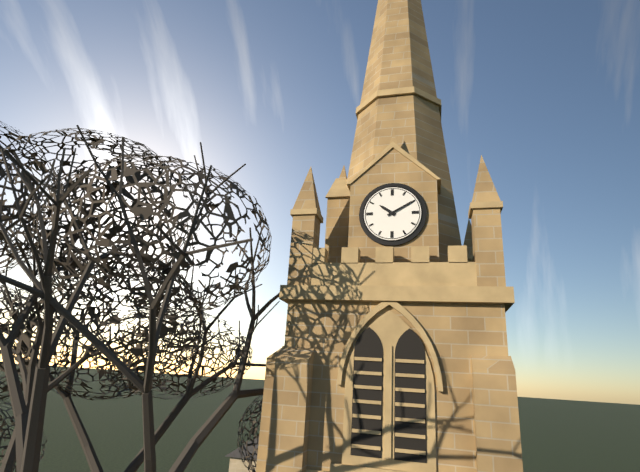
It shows 10h10
